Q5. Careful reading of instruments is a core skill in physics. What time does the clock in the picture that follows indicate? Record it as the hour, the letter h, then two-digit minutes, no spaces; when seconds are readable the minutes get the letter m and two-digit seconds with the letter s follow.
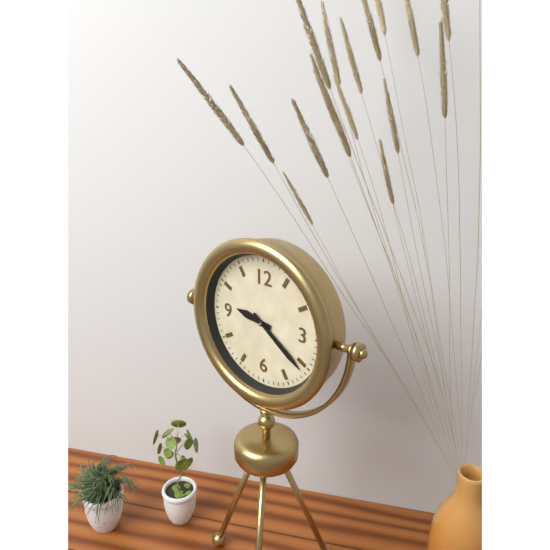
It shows 9h21
